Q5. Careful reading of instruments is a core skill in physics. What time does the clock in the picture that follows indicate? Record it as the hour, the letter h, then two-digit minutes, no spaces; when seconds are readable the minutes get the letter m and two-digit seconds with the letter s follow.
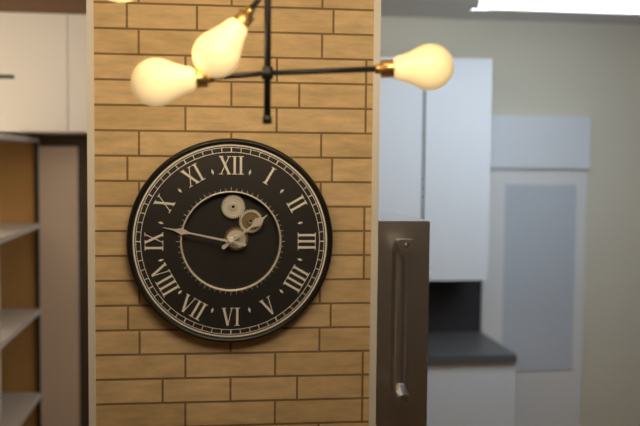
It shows 1h47
